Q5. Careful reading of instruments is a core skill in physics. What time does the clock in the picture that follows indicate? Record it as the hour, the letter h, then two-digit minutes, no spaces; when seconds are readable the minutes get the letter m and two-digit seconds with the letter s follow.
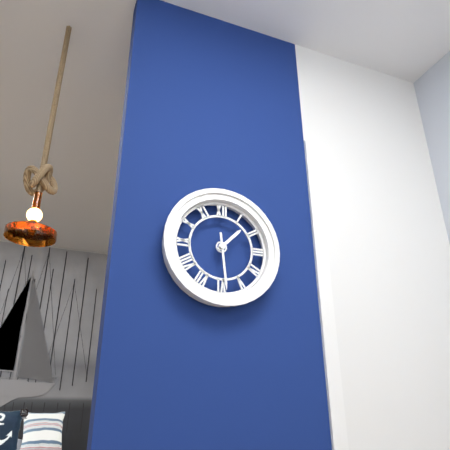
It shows 1h29
